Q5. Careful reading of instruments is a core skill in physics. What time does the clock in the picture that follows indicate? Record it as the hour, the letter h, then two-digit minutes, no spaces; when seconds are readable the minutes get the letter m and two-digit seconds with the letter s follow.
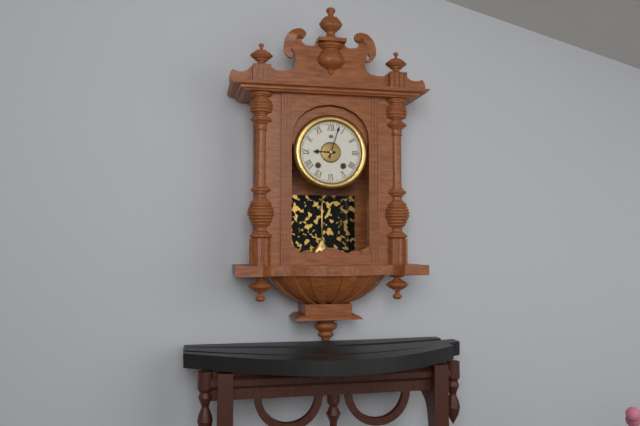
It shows 9h03
